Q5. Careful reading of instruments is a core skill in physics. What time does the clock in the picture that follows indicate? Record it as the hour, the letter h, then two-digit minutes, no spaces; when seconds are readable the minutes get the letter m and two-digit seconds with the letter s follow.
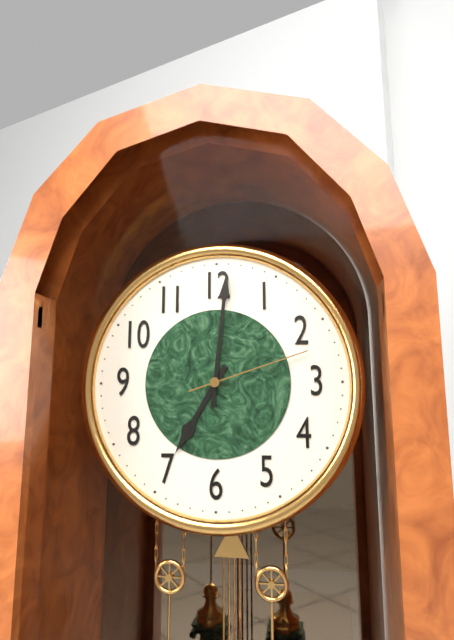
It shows 7h01m12s
